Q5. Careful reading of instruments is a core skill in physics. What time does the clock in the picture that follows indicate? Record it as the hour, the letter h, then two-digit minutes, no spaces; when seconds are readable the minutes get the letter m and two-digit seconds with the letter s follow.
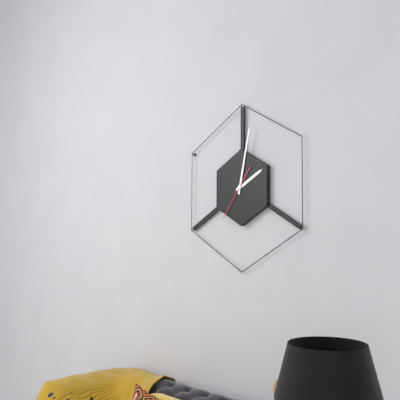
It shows 2h02
